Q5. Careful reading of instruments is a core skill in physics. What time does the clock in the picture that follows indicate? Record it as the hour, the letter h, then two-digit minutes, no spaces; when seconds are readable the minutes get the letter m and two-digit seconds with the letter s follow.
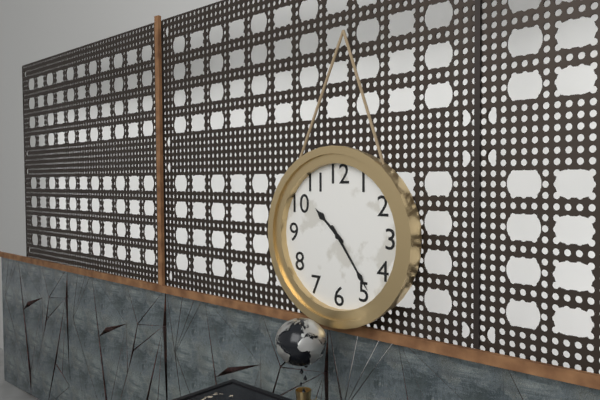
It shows 10h24
